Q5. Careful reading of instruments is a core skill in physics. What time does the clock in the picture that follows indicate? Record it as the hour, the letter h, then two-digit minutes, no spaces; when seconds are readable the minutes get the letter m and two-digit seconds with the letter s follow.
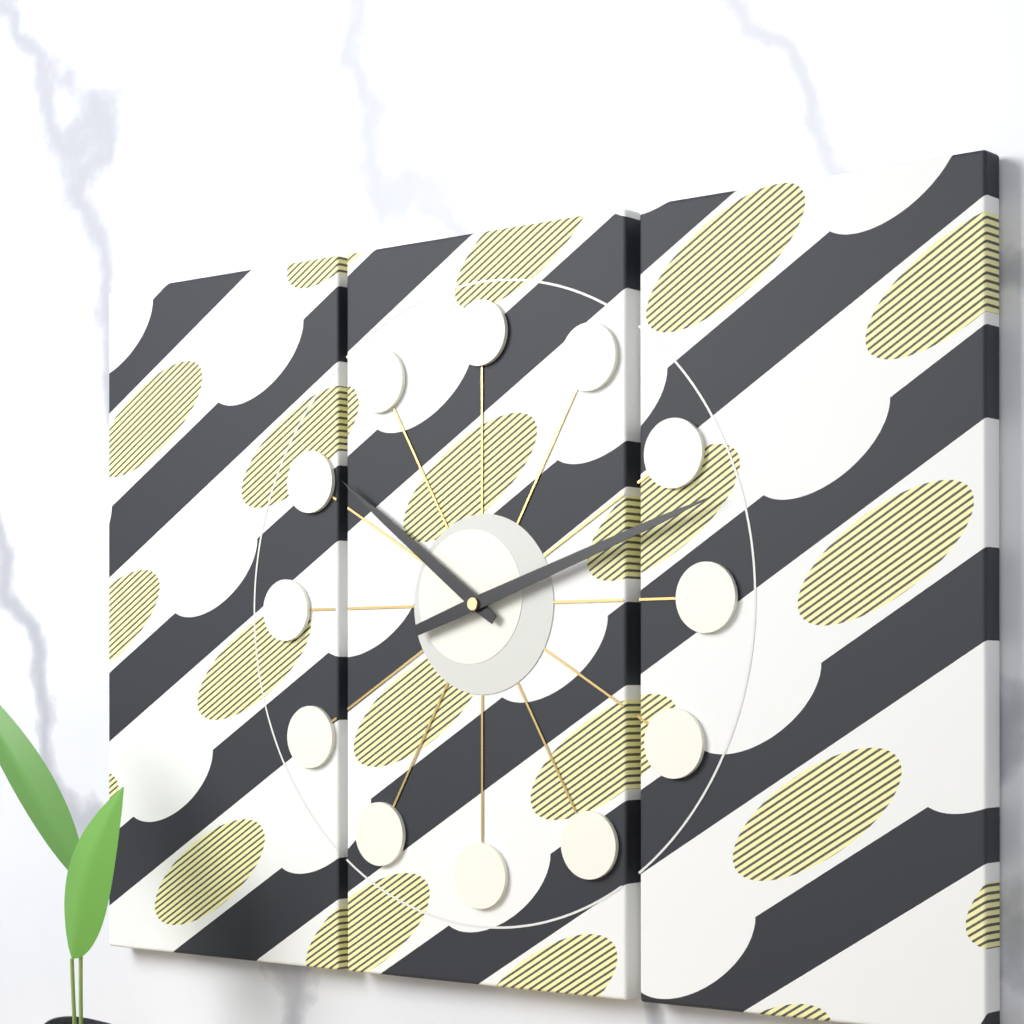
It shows 10h12
